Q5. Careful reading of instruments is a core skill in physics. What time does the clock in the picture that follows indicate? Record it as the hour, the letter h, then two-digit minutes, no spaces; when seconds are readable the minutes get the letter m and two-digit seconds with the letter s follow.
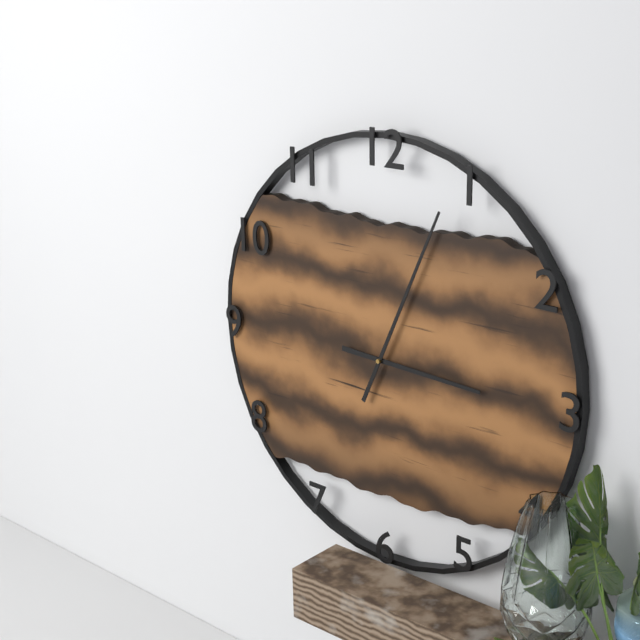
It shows 3h04
